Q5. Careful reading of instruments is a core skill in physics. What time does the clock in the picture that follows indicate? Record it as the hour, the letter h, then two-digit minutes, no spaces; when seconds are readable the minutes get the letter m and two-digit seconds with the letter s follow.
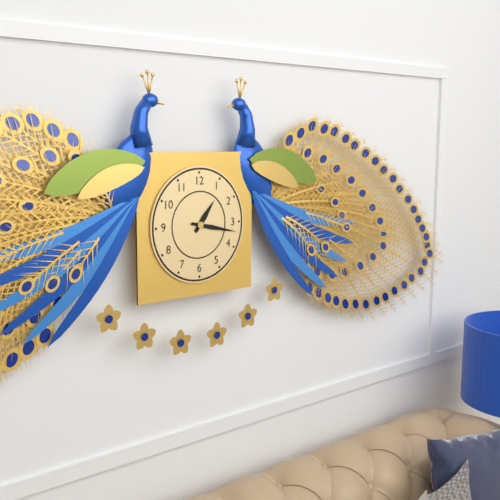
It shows 1h17
